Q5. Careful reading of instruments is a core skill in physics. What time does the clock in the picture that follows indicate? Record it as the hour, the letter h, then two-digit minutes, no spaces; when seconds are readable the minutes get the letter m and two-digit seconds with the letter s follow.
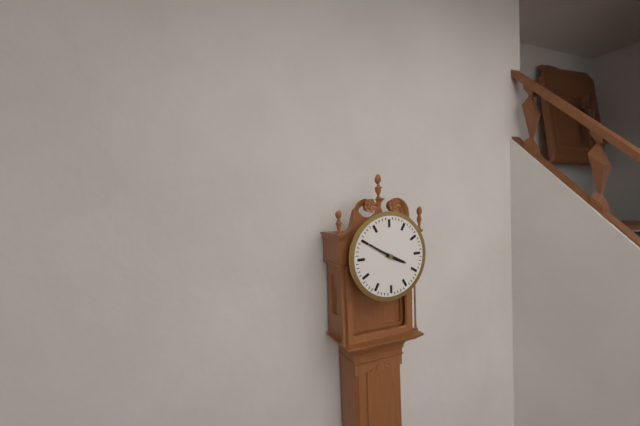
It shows 3h50
